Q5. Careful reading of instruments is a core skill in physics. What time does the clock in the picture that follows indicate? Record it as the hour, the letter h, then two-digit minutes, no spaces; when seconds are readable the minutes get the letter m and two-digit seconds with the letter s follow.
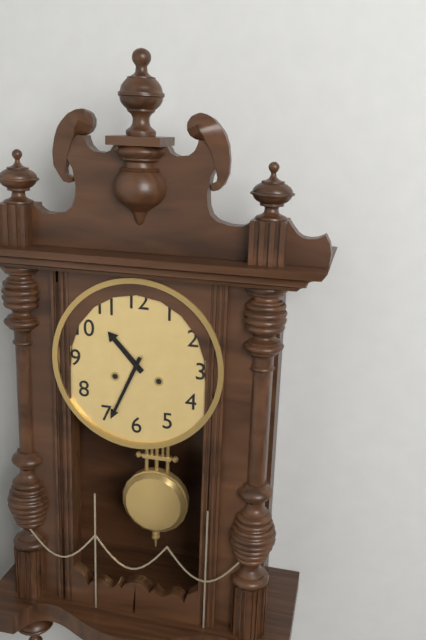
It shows 10h34
